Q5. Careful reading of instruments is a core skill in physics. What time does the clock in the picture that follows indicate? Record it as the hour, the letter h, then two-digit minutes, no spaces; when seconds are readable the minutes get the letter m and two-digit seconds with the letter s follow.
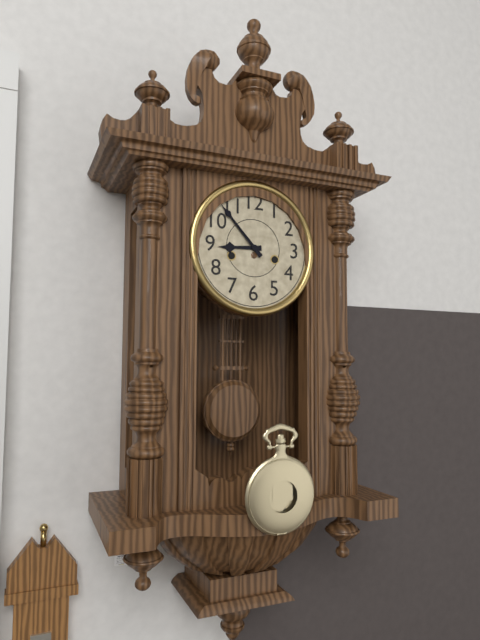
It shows 8h53
